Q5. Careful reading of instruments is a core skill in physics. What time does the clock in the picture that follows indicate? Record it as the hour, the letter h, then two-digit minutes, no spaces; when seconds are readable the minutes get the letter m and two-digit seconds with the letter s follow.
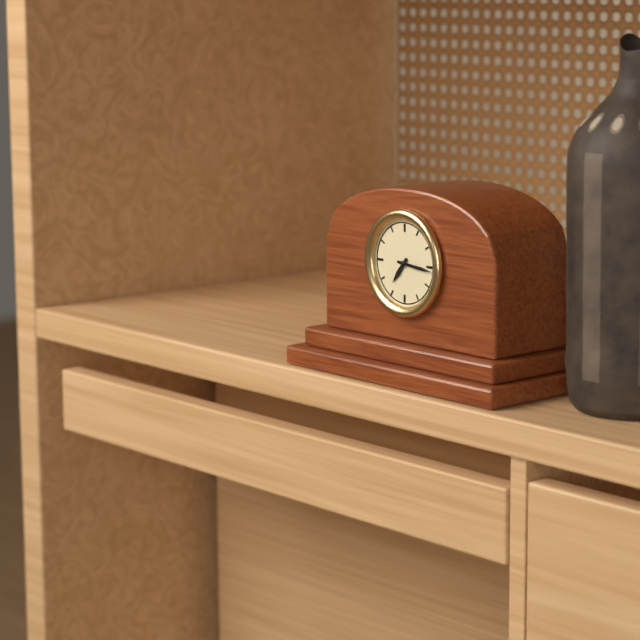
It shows 7h16
